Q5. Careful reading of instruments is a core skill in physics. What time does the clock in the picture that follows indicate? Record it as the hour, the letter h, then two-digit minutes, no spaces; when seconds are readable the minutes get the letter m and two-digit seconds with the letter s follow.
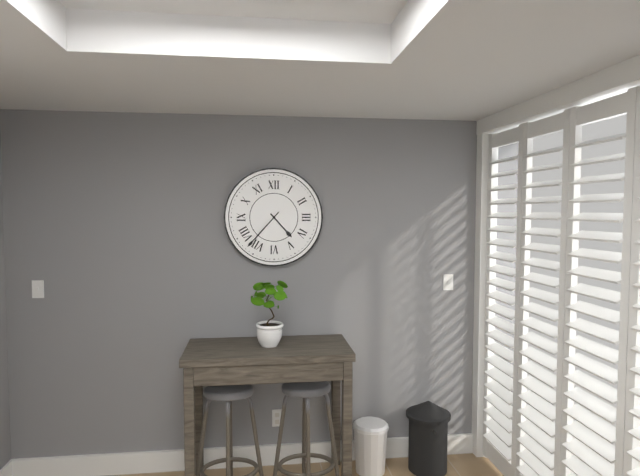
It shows 4h37
